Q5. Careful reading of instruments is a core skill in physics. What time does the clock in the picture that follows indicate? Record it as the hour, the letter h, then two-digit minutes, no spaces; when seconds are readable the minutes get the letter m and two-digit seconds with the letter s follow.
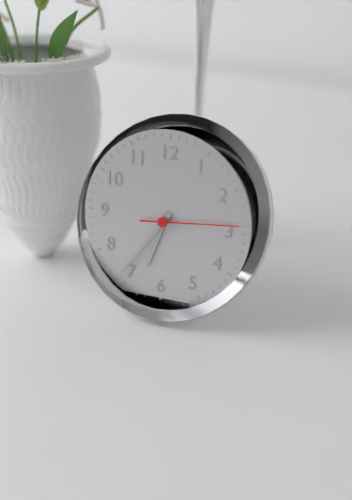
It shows 6h36m14s
